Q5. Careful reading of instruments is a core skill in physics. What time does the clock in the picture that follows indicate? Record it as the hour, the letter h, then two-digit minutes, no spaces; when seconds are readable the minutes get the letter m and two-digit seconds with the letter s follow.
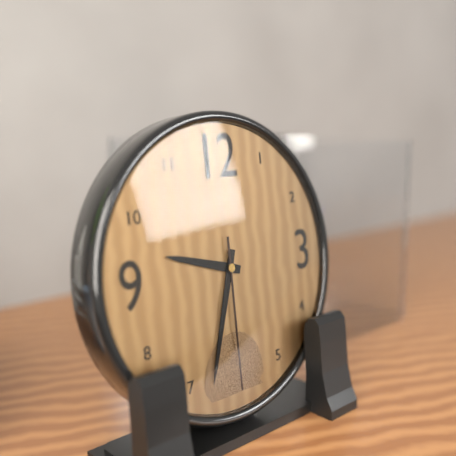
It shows 9h33m30s
